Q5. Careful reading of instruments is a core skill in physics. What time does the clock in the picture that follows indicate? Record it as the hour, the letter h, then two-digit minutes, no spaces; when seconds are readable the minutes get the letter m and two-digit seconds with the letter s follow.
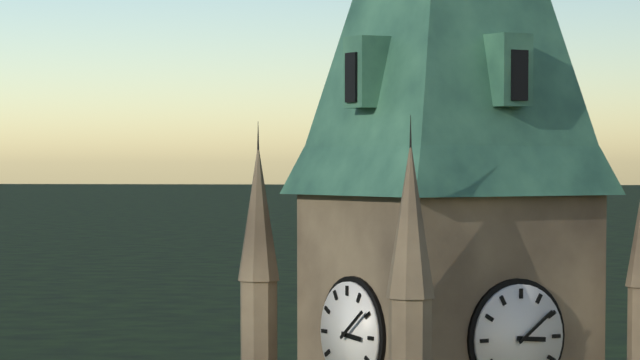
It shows 3h09
